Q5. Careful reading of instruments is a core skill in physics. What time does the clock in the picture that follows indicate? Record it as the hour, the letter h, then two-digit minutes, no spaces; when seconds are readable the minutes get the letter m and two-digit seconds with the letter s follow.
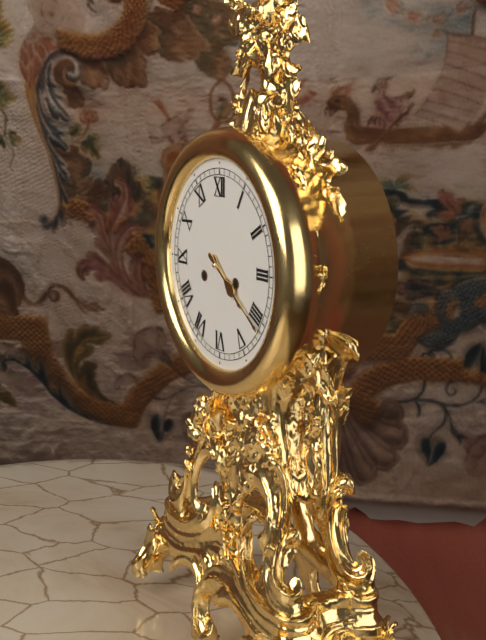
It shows 4h21
